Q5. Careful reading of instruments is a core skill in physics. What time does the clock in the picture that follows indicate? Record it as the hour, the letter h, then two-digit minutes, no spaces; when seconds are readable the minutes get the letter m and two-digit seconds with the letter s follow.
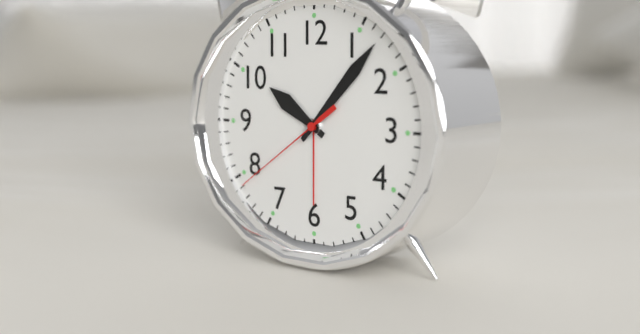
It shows 10h07m39s
